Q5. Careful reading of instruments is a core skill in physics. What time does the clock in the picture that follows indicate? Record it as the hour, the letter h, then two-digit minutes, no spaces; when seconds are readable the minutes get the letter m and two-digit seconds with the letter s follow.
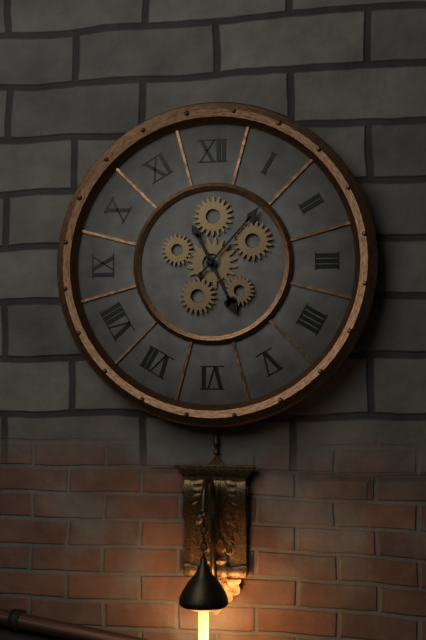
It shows 5h07
